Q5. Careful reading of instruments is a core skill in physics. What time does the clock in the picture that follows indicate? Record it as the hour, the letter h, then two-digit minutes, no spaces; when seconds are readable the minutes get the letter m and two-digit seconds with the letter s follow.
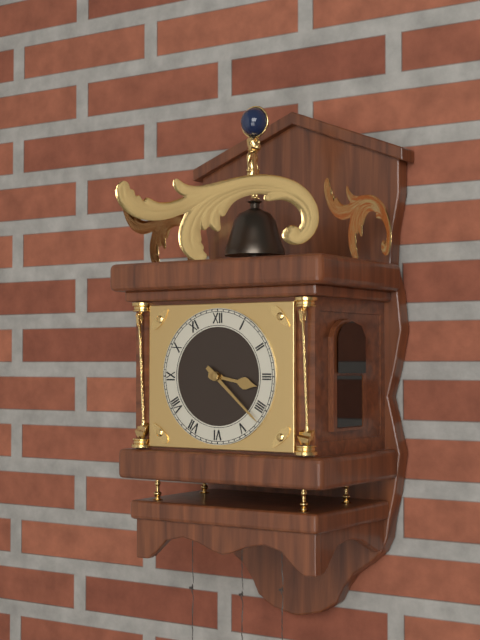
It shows 3h22
